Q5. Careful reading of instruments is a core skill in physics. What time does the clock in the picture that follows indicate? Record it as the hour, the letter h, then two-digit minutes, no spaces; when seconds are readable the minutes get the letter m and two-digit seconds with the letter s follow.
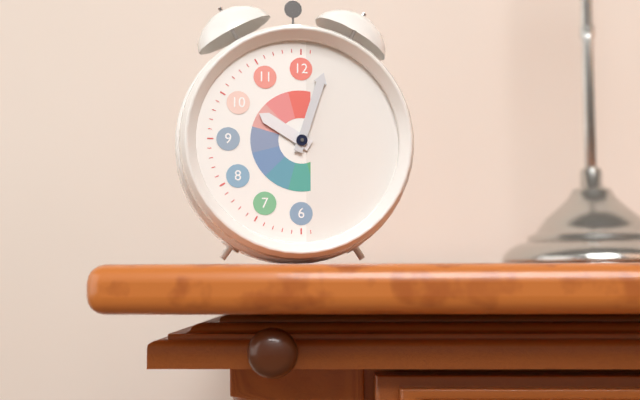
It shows 10h03
